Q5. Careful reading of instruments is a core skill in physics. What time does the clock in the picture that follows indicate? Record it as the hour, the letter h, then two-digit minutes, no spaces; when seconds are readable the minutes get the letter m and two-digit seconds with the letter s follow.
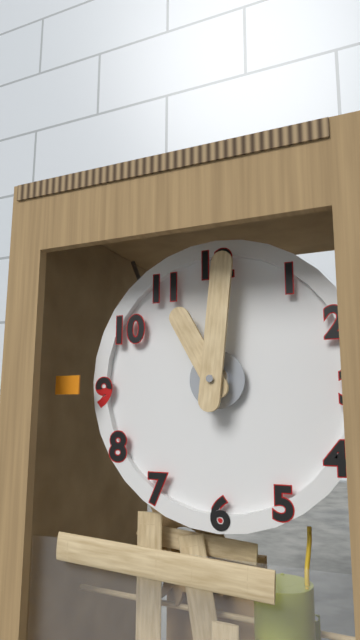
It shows 11h01
